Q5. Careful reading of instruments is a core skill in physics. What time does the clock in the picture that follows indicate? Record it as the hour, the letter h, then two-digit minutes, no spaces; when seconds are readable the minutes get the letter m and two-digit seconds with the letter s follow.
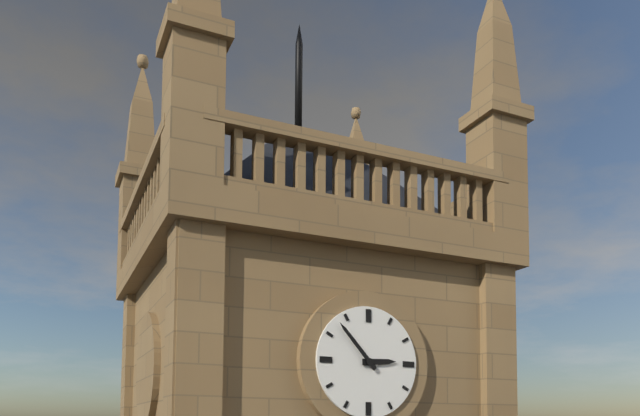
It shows 2h53
